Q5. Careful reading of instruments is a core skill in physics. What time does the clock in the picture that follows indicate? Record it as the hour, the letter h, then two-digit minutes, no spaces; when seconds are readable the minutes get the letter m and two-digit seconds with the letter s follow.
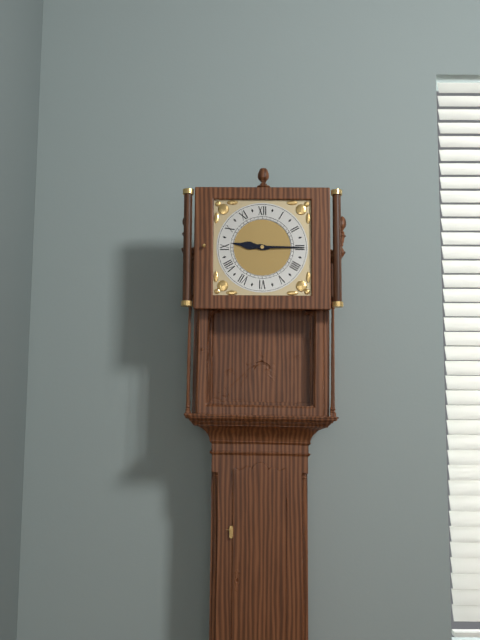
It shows 9h15
